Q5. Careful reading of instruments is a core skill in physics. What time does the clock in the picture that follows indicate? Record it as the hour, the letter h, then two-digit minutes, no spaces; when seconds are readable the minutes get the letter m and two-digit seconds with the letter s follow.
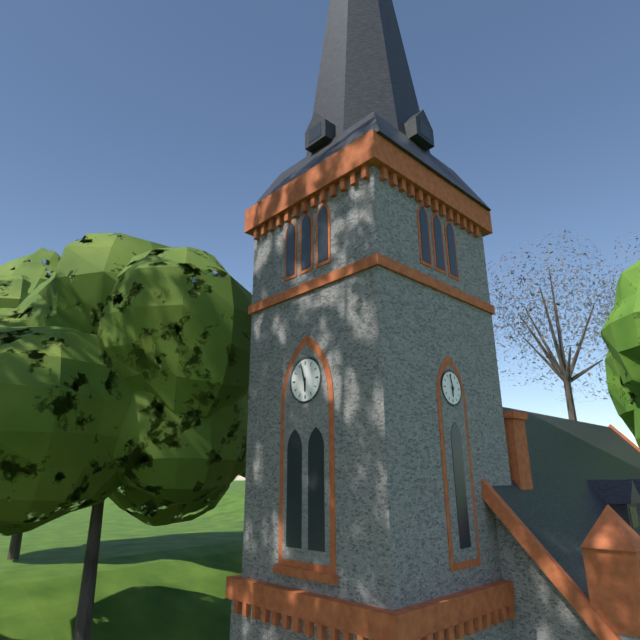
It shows 5h57
